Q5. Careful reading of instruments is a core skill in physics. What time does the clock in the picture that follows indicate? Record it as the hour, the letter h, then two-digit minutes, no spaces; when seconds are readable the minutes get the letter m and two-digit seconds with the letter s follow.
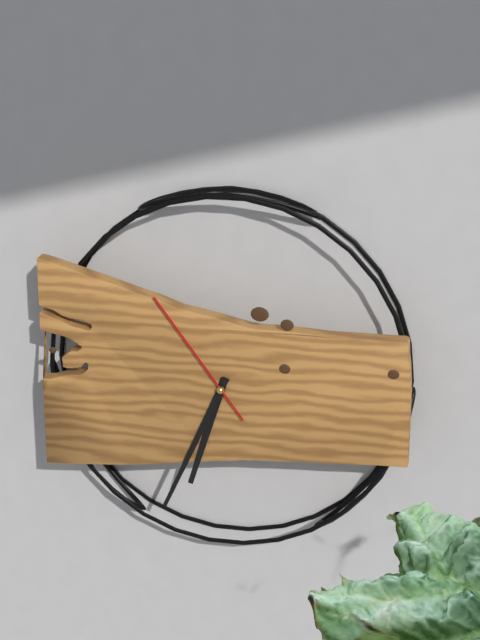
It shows 6h34m54s
